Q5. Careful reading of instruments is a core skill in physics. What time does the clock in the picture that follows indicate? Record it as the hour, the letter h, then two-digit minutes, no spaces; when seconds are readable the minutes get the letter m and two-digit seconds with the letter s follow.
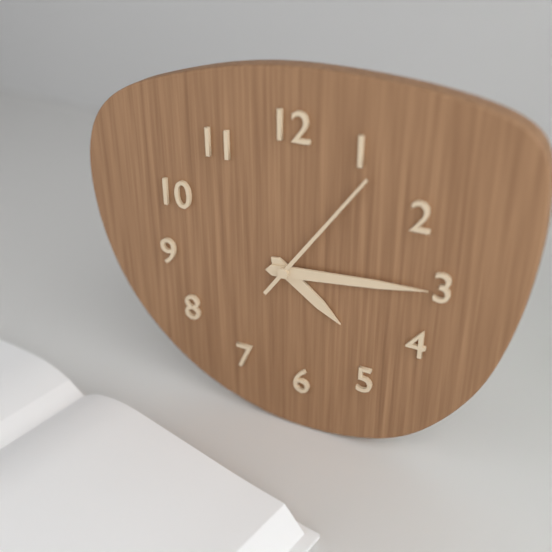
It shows 4h14m06s
